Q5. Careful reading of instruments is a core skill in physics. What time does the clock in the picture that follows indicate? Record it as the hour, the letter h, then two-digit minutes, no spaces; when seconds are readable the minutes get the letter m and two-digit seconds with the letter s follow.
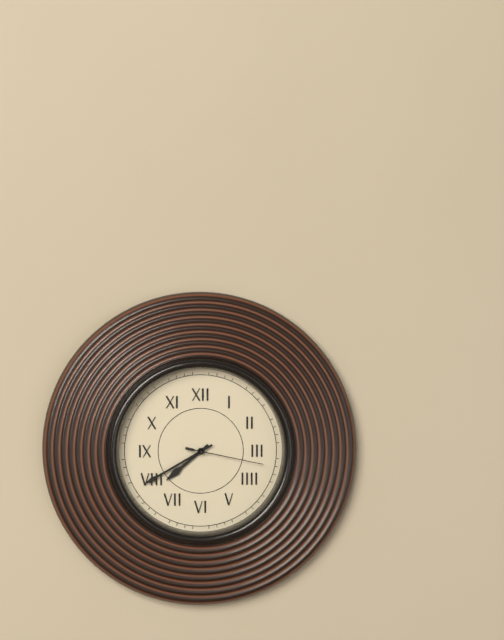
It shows 7h40m17s
